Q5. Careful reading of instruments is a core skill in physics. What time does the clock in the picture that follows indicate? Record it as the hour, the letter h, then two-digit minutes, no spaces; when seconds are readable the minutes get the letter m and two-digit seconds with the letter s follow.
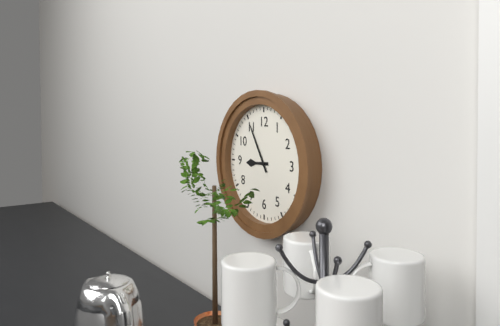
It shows 8h55
